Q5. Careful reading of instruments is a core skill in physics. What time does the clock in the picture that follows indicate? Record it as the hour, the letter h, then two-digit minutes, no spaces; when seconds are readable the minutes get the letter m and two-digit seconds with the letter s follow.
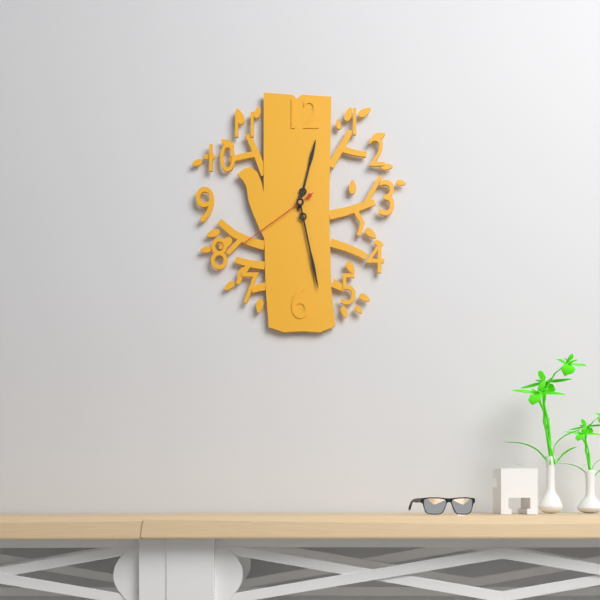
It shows 12h28m39s
